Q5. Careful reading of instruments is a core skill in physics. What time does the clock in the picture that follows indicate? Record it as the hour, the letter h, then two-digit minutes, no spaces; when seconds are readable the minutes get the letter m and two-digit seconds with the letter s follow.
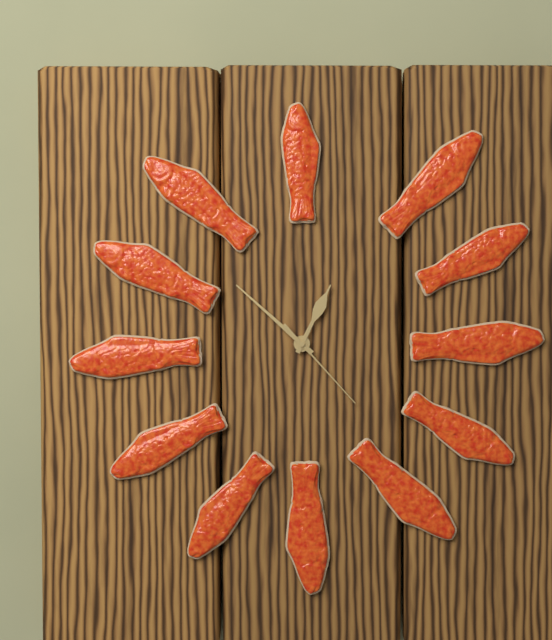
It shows 12h52m23s
